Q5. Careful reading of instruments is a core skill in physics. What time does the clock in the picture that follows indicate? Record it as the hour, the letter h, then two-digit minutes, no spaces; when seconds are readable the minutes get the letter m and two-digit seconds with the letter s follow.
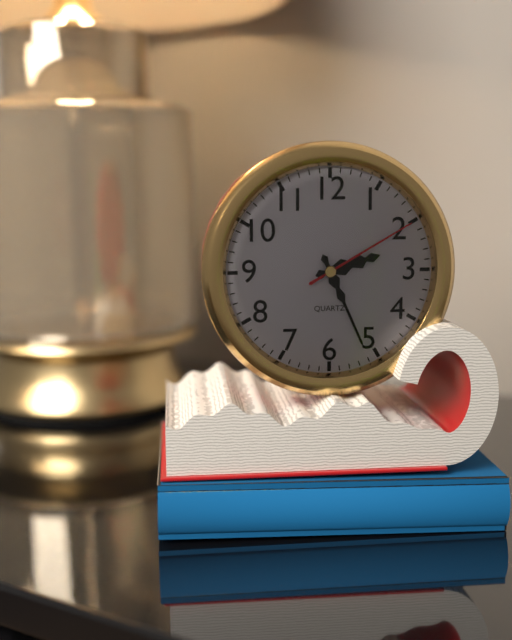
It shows 2h26m10s
